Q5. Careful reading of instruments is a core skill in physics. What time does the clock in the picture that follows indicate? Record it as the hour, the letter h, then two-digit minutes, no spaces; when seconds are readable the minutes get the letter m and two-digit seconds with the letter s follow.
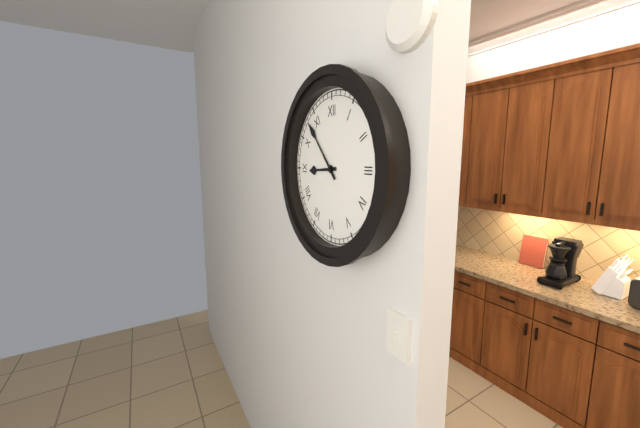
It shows 8h53
